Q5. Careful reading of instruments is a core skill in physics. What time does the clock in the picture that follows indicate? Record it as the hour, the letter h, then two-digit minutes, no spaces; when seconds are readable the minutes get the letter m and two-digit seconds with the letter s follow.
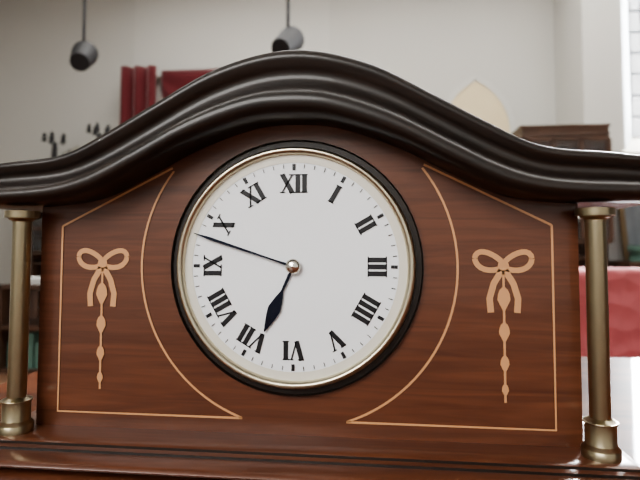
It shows 6h48
